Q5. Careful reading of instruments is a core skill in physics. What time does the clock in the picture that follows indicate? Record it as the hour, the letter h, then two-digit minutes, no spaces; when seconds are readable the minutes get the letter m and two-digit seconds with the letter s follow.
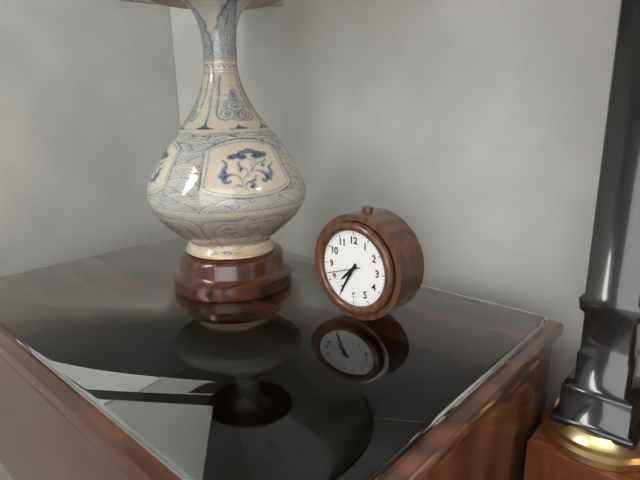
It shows 7h35
